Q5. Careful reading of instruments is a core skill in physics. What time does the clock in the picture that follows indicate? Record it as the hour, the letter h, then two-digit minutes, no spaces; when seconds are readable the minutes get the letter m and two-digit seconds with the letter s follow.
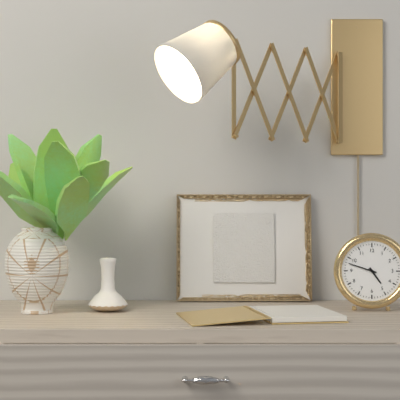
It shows 4h48
